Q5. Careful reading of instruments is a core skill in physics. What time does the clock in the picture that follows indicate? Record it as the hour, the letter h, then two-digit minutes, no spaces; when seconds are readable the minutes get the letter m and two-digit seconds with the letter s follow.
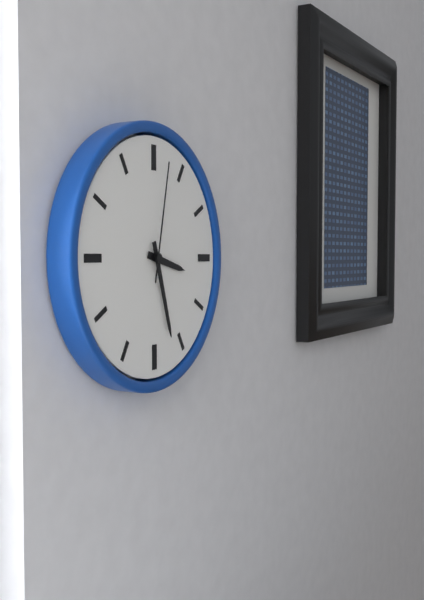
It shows 3h27m02s
